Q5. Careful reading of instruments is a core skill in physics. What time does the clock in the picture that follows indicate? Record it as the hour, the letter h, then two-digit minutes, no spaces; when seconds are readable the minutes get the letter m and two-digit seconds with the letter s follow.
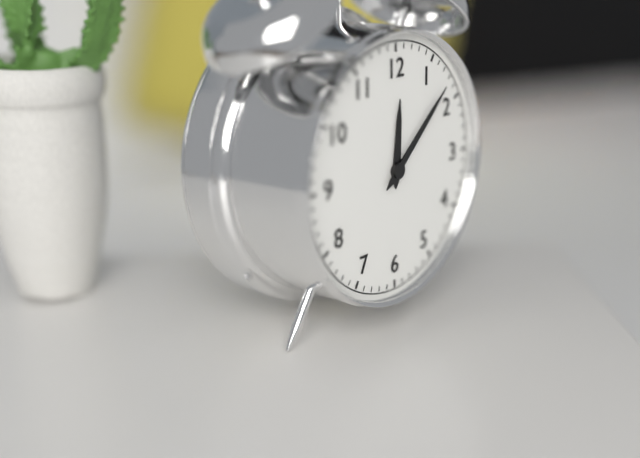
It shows 12h08
